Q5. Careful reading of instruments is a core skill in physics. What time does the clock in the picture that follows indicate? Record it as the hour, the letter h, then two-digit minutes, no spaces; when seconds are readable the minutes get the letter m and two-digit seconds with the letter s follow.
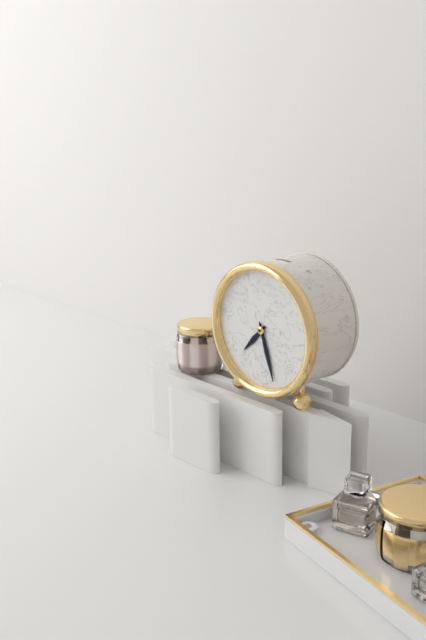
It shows 7h27
